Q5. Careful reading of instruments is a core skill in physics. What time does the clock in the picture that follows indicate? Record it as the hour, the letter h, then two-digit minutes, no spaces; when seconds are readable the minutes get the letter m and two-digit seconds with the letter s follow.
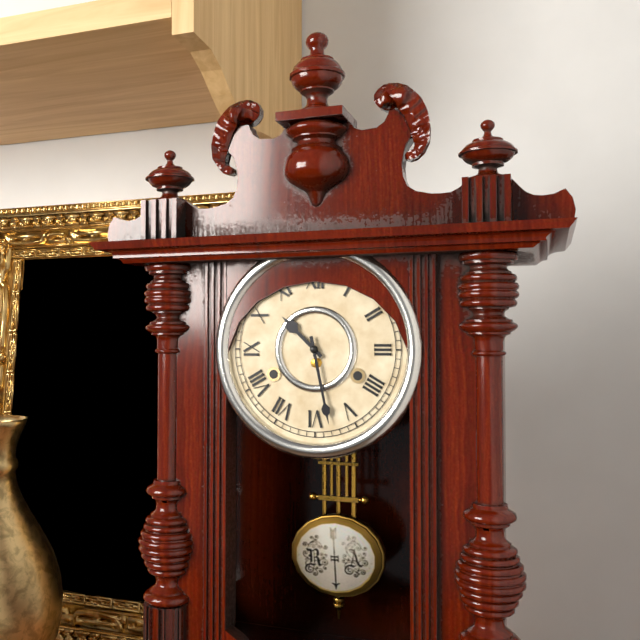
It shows 10h28
